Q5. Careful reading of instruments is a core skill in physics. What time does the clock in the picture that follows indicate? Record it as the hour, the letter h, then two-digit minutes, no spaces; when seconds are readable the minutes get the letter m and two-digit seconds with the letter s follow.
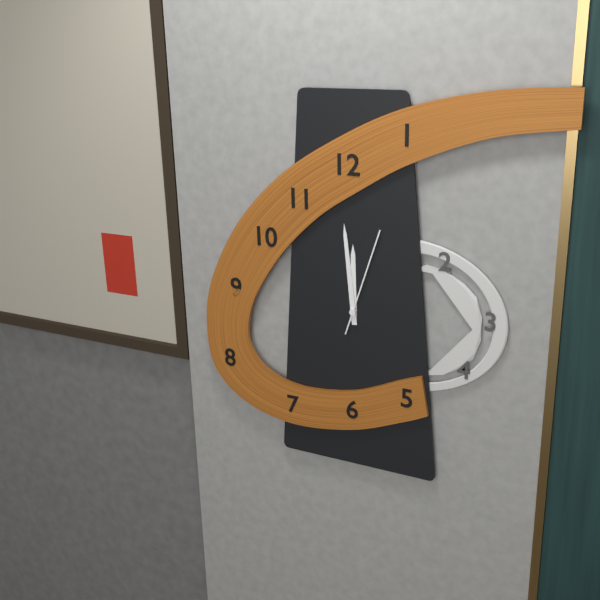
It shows 11h59m03s
